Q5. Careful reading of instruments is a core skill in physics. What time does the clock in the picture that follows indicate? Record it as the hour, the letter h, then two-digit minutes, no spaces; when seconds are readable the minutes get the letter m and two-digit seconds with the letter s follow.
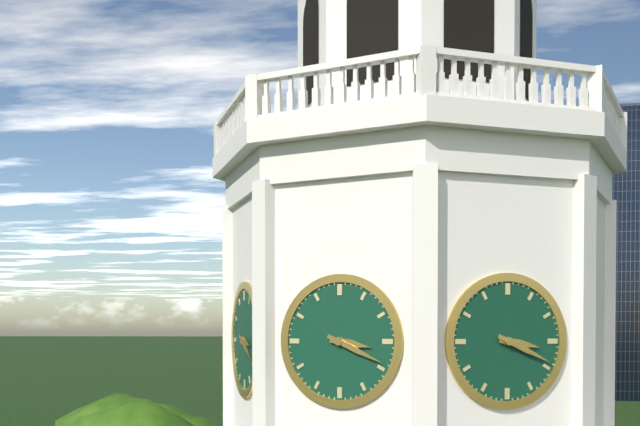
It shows 3h19
